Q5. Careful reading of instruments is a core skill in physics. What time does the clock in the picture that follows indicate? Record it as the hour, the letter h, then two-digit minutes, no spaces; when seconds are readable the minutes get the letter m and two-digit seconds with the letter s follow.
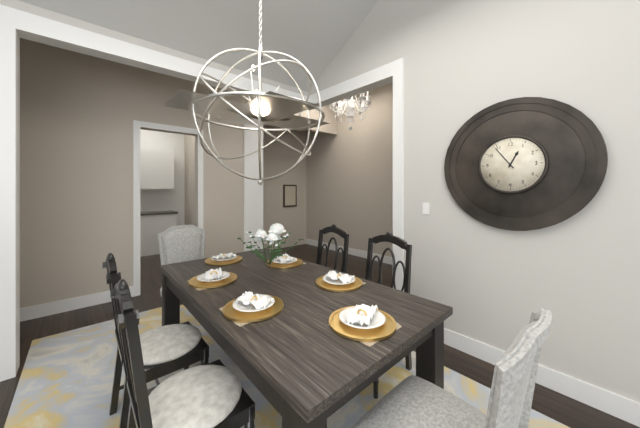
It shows 12h54
